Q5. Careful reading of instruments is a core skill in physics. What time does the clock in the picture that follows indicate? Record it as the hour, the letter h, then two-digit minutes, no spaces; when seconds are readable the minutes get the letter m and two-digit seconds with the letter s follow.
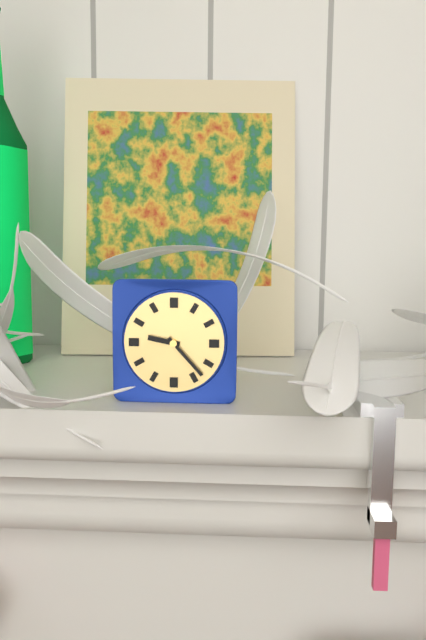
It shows 9h23
